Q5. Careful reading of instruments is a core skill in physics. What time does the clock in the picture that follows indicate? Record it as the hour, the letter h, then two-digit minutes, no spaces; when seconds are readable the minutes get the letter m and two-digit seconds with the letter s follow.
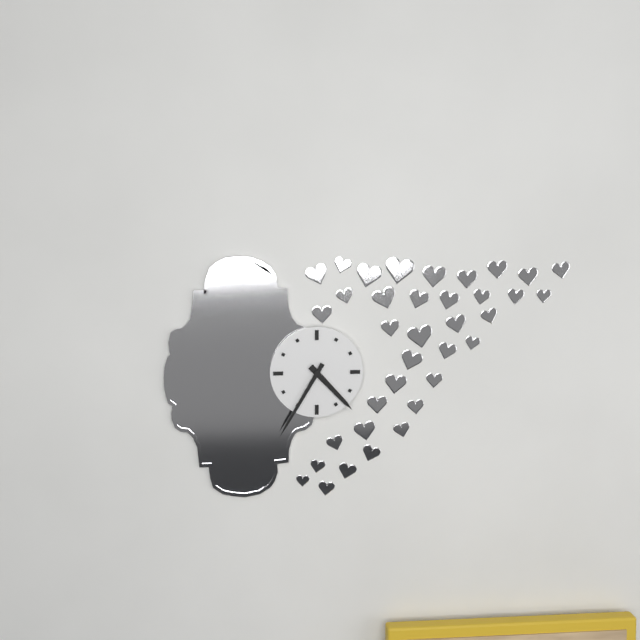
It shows 4h35
